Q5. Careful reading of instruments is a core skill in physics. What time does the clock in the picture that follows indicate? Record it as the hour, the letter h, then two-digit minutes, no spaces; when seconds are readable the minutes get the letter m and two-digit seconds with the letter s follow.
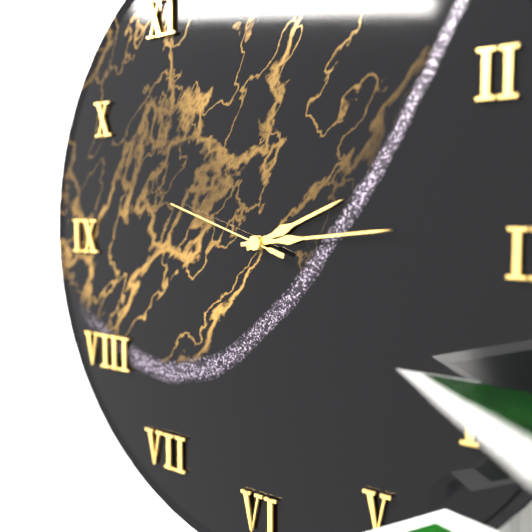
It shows 2h14m48s
